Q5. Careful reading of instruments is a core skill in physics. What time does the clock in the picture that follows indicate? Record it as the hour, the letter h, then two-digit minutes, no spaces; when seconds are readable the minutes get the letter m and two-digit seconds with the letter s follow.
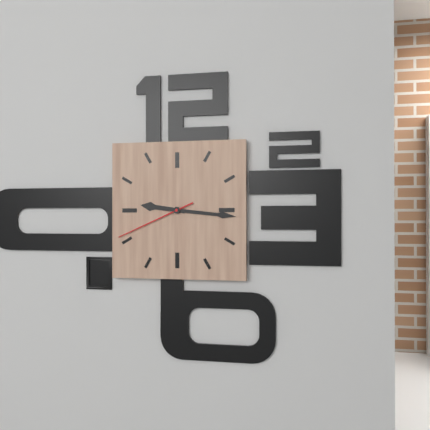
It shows 9h16m41s
